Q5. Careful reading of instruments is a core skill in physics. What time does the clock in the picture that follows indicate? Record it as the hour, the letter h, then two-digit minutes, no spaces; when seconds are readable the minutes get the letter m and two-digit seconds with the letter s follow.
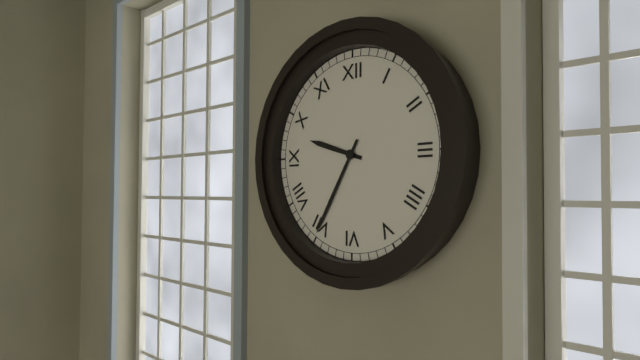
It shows 9h35
